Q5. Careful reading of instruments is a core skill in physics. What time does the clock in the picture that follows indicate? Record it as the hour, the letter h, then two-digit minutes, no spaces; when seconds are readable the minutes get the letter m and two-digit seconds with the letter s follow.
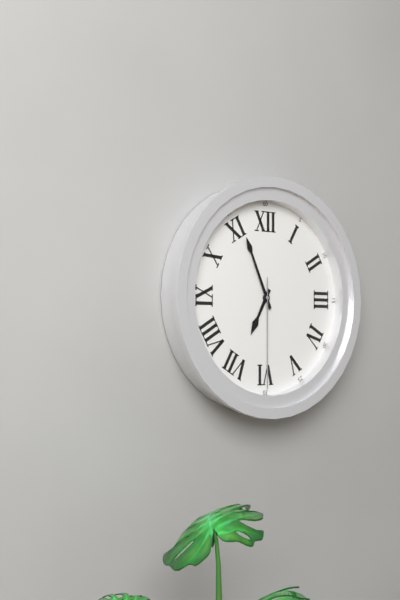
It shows 6h56m30s
